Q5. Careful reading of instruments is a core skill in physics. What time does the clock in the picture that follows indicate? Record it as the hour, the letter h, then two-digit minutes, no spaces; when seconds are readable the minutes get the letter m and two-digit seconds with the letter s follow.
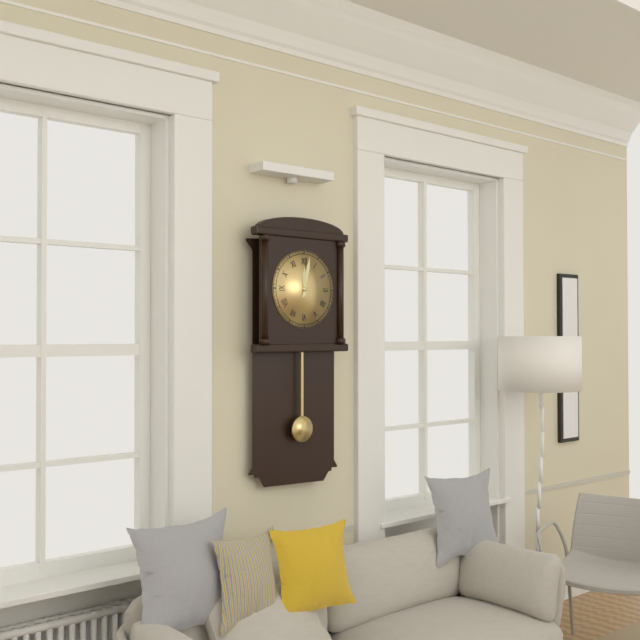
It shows 12h02
